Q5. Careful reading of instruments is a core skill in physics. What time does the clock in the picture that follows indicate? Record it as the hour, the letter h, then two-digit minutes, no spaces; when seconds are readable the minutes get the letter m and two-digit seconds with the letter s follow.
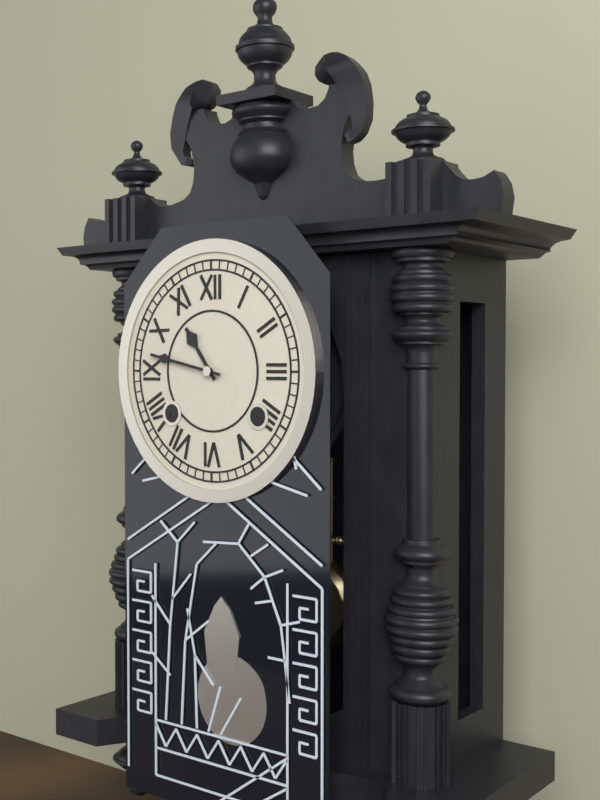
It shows 10h47
